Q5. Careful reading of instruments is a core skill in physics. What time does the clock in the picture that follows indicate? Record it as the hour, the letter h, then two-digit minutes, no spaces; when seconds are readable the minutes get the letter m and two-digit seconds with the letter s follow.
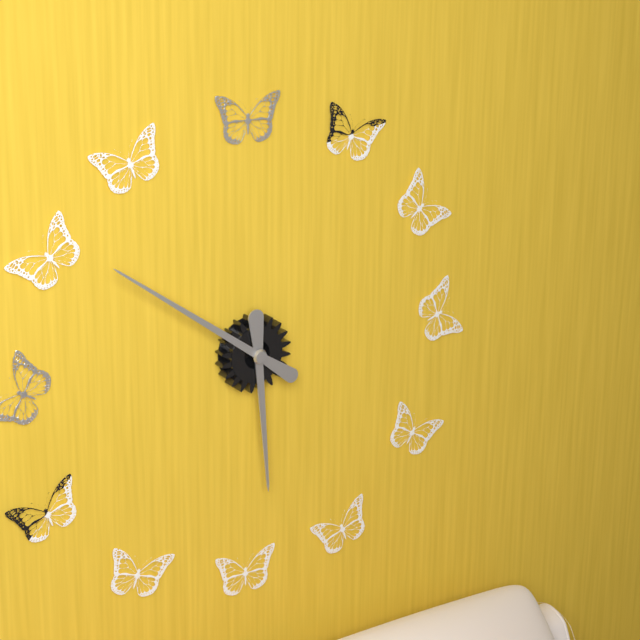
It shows 5h51
